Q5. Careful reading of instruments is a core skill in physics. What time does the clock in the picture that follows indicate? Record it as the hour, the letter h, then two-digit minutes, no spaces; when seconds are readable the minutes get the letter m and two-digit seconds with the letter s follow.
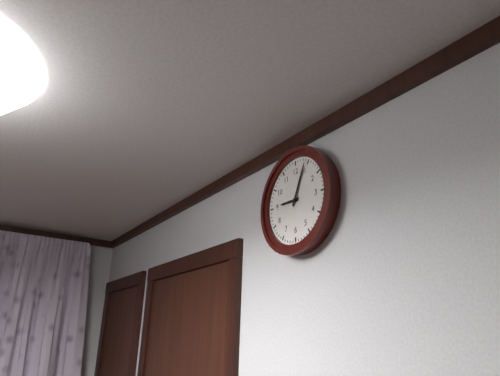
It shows 9h04
